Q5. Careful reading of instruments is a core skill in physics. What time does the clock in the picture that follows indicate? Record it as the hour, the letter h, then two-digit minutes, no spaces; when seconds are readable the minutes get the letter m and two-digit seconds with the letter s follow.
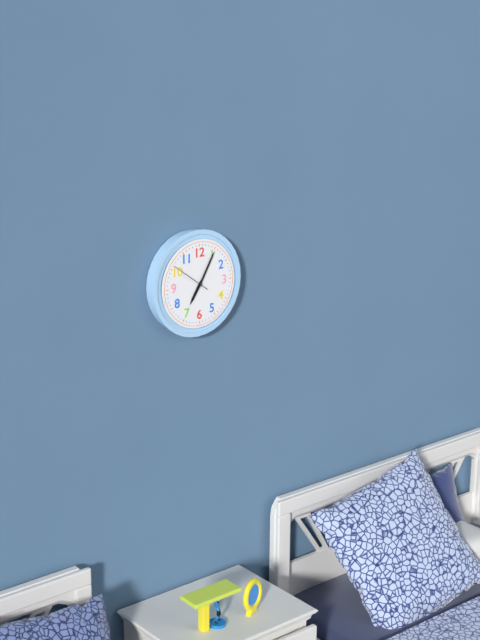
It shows 7h05
